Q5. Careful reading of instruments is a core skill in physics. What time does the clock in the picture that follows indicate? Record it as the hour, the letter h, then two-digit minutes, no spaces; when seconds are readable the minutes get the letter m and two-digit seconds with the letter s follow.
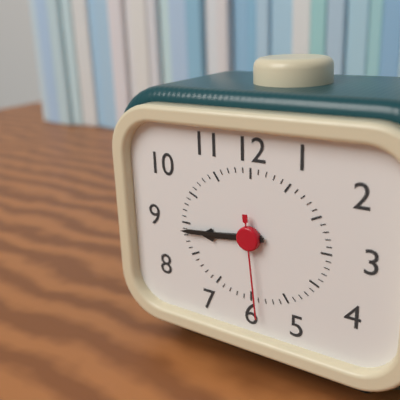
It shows 8h44m29s
